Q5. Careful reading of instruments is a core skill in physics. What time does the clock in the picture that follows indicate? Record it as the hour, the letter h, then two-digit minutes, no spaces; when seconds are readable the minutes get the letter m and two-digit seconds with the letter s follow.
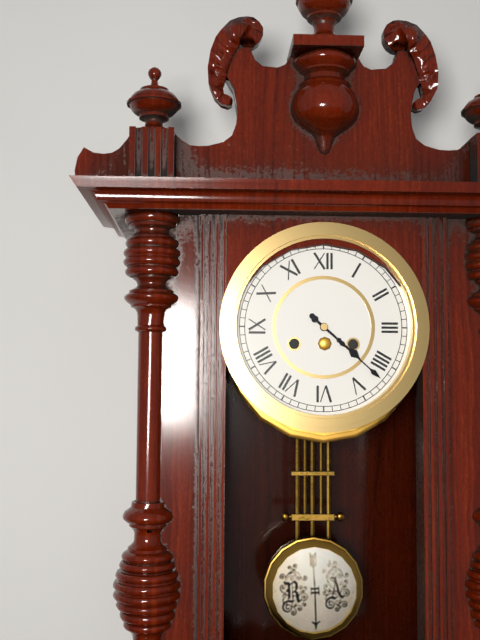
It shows 4h22
